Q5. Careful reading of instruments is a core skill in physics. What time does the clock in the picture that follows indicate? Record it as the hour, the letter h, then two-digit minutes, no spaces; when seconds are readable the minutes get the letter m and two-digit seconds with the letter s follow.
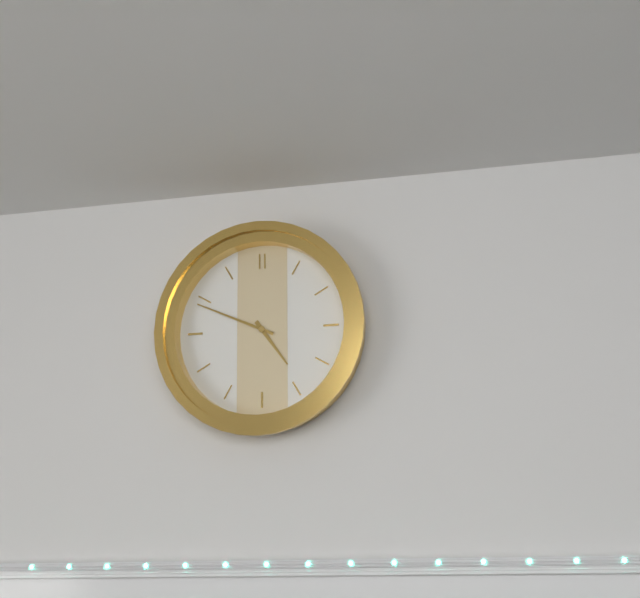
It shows 4h49
